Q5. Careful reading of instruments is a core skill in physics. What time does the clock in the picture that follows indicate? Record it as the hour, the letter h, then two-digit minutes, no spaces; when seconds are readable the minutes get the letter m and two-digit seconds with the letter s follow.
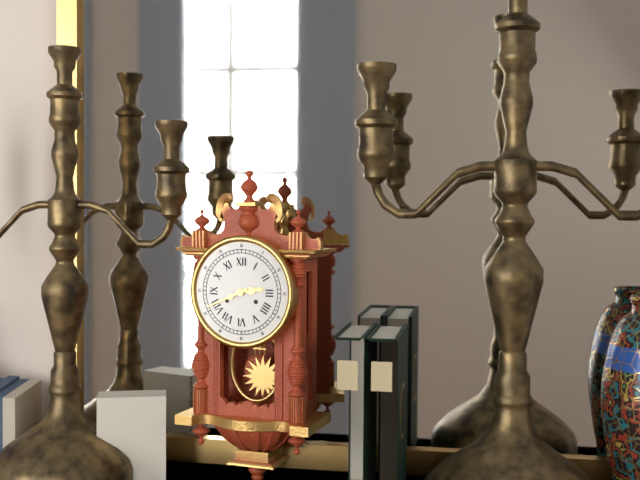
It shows 2h41
